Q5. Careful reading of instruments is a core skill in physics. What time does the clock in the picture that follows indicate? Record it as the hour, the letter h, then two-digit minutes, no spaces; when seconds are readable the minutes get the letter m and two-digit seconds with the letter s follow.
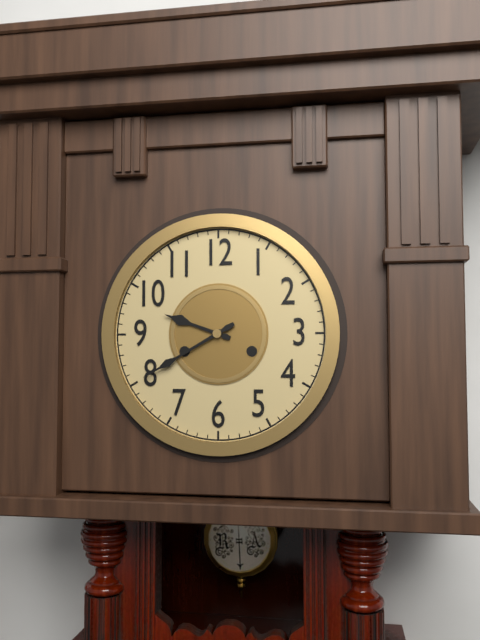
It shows 9h40
